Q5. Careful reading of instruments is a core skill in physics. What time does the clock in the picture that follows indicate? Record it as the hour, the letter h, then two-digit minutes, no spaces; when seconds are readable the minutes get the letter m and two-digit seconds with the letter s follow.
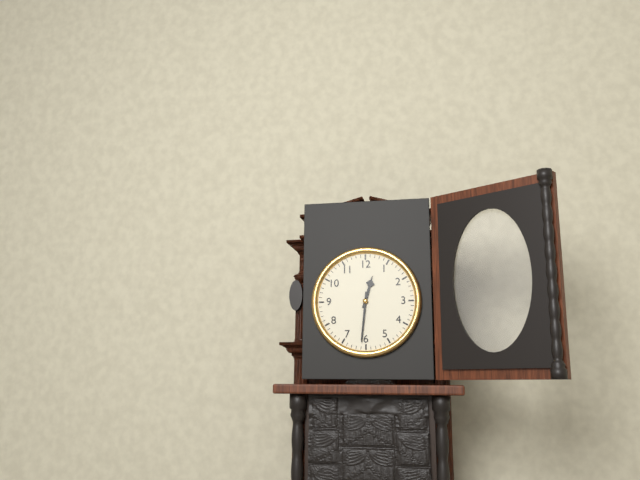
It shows 12h31
